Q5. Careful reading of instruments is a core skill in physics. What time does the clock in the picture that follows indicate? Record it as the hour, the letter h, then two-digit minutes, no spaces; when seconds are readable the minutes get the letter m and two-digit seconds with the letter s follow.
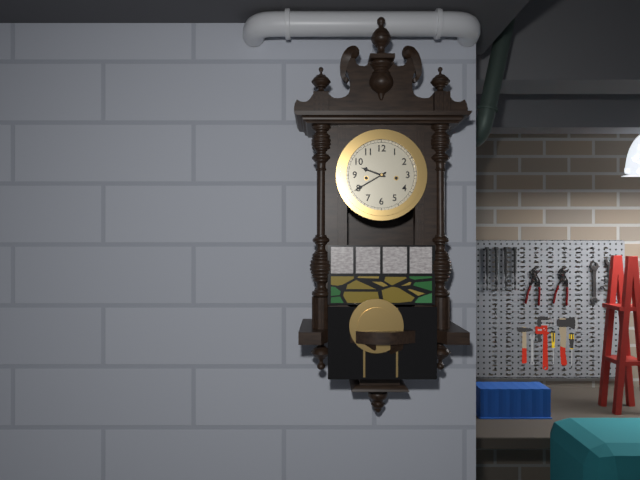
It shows 9h40
